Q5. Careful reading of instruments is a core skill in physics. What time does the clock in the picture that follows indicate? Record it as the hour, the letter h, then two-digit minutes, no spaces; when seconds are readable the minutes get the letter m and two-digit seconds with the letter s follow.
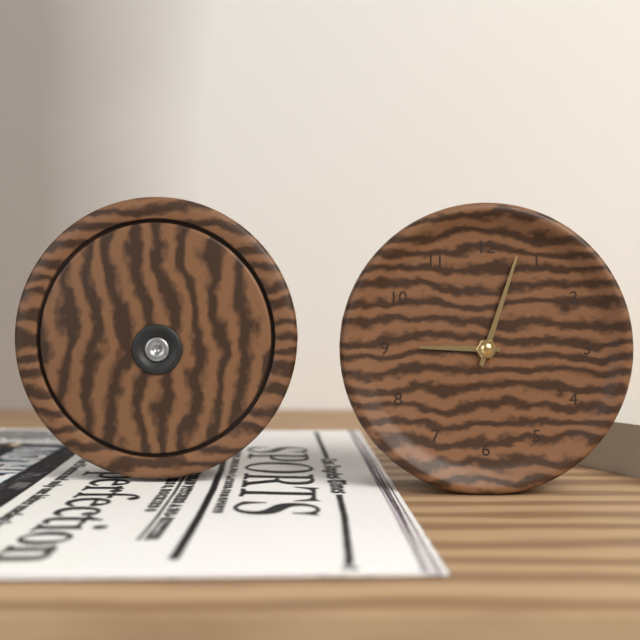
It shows 9h03
